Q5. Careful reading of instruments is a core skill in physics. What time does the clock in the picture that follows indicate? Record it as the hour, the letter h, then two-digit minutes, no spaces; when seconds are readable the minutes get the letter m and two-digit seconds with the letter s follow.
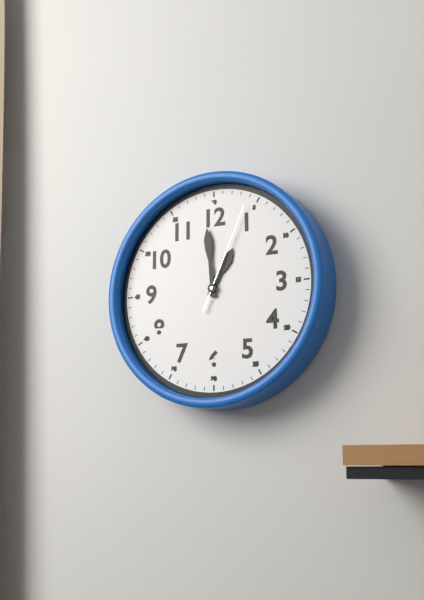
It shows 12h59m04s
